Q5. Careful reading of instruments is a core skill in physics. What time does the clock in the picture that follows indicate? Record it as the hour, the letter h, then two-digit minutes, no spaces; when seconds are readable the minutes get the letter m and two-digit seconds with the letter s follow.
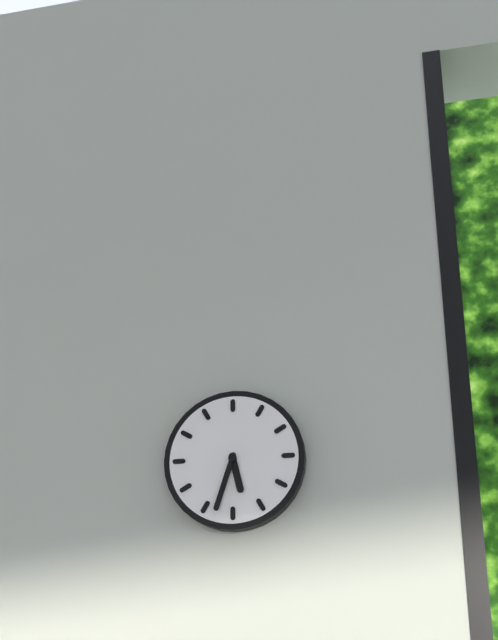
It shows 5h33
